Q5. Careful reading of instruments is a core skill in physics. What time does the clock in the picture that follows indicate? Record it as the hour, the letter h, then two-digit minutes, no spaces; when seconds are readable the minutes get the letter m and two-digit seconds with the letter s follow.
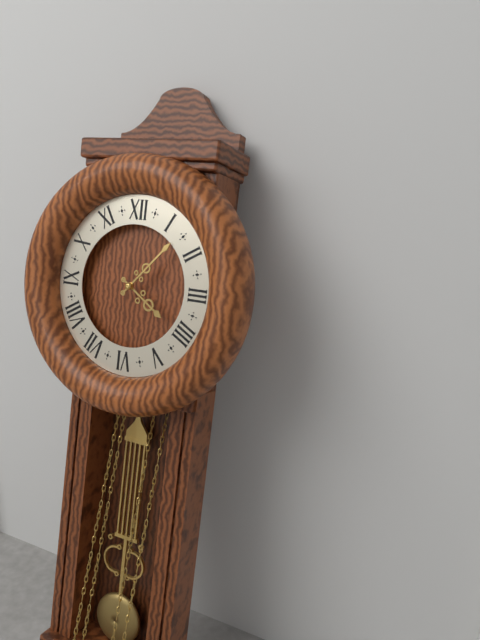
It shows 4h07
